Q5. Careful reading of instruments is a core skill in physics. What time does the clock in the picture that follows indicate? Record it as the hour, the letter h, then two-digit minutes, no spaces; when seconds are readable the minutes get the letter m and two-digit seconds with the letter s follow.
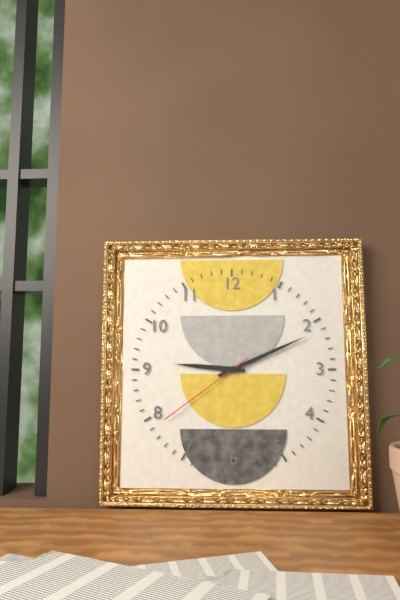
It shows 9h11m39s
